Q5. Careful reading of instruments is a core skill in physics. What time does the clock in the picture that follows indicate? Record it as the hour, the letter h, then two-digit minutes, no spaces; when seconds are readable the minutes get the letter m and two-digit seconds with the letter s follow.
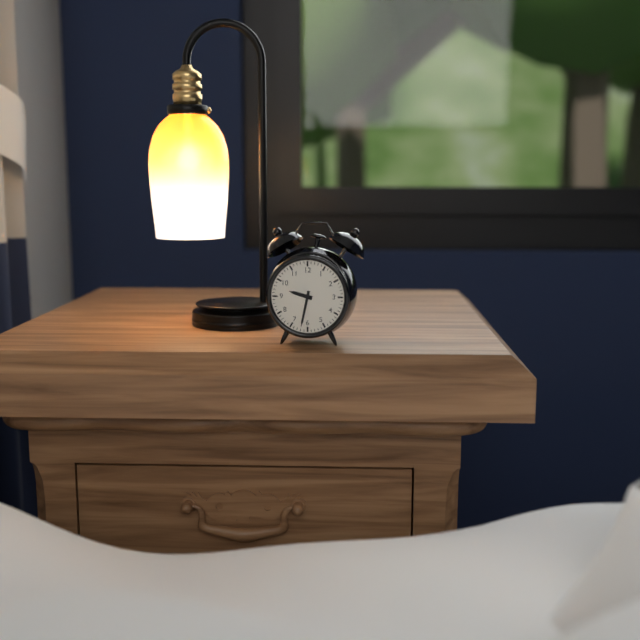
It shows 9h32
